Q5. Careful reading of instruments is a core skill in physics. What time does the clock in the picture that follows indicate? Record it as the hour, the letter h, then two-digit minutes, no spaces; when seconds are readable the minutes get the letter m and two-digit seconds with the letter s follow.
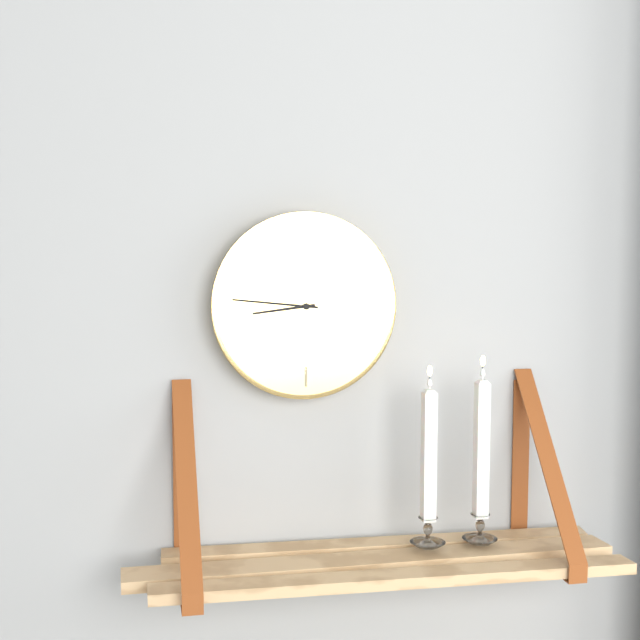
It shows 8h46
